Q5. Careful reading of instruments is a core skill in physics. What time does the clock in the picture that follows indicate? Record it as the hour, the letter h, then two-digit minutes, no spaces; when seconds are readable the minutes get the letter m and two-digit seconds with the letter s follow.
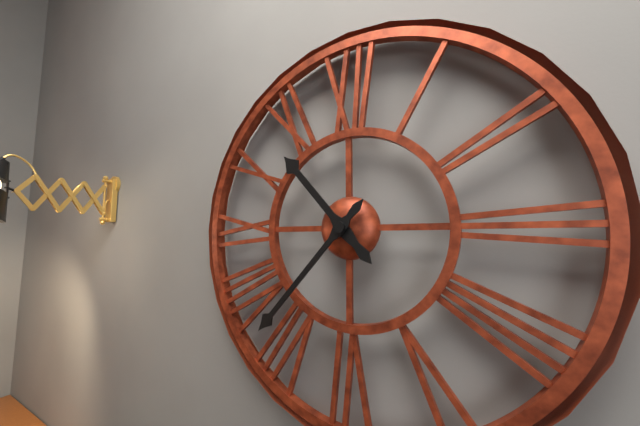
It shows 10h37
